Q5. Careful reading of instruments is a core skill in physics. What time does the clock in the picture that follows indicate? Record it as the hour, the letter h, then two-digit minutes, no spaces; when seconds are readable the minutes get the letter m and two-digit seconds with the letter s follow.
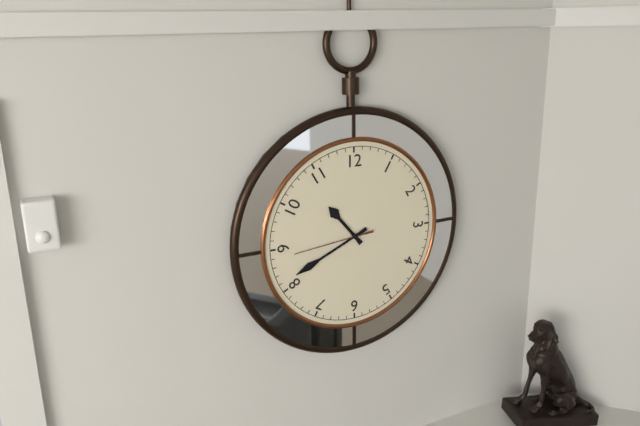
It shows 10h41m44s
